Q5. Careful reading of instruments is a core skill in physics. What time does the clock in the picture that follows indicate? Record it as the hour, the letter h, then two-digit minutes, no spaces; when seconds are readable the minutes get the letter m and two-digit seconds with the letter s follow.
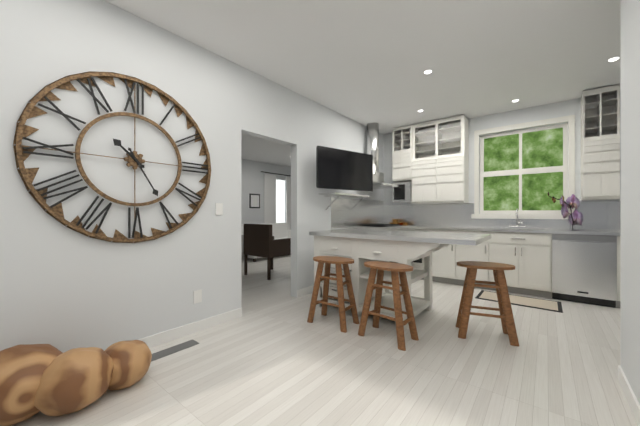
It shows 10h25
